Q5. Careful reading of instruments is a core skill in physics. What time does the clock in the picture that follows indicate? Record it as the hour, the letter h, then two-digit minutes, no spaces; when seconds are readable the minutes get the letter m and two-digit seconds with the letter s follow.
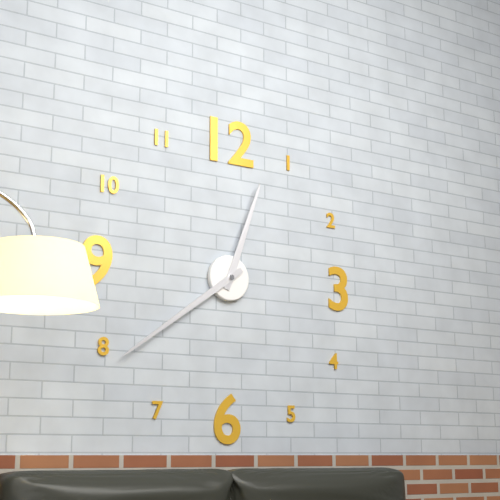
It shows 12h39
